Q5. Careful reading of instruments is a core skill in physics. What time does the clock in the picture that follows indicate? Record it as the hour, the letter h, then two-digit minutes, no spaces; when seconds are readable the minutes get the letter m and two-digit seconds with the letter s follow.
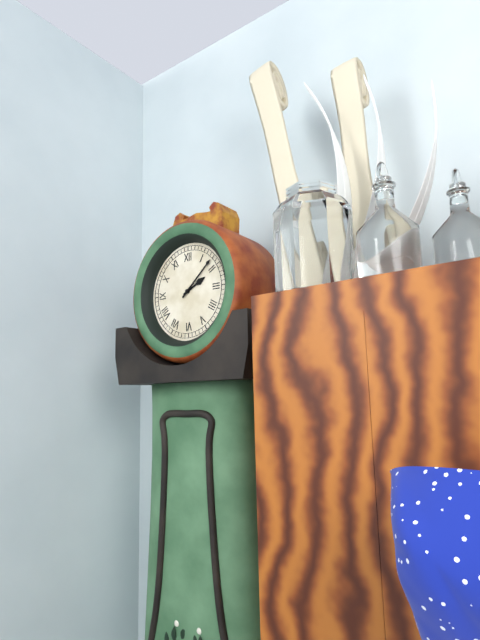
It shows 2h08
